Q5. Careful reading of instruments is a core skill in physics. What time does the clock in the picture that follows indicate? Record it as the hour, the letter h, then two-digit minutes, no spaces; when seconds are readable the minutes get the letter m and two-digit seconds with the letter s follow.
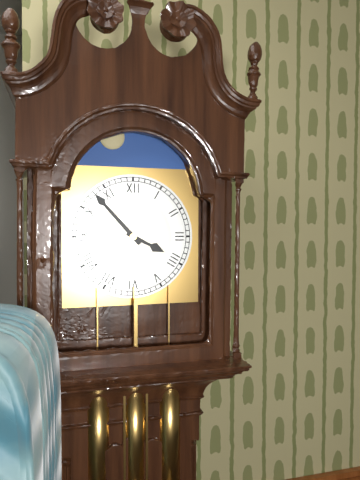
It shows 3h53
